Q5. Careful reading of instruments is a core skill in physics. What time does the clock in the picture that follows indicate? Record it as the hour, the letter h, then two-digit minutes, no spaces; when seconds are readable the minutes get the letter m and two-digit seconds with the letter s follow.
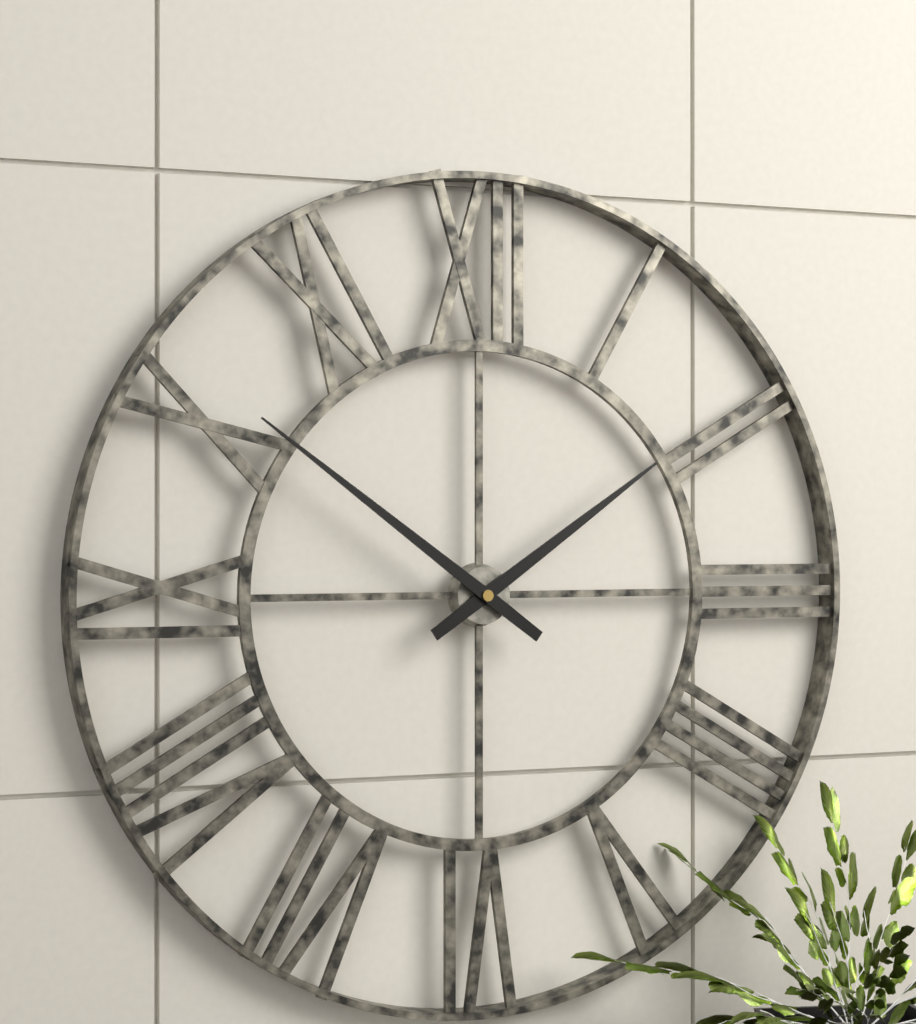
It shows 1h51
